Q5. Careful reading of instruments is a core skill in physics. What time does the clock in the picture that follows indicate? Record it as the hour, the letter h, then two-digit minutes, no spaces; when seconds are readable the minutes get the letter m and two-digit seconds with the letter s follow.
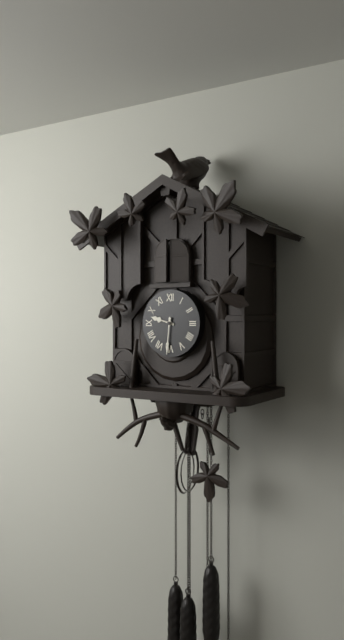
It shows 9h31
